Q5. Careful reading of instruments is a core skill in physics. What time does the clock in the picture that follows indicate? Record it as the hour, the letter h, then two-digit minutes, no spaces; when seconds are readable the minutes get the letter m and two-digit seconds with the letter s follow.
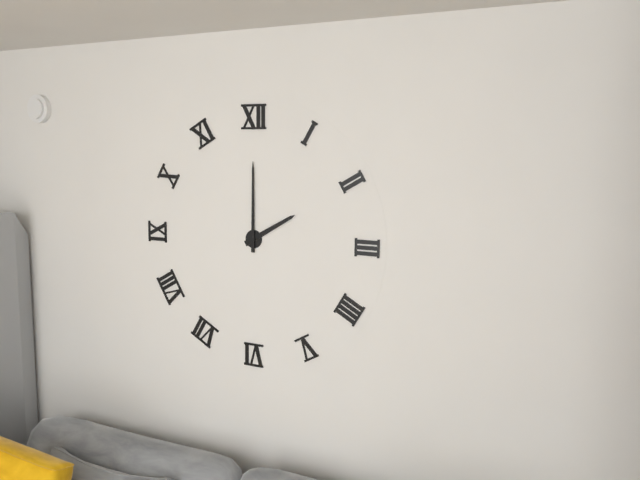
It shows 2h00
